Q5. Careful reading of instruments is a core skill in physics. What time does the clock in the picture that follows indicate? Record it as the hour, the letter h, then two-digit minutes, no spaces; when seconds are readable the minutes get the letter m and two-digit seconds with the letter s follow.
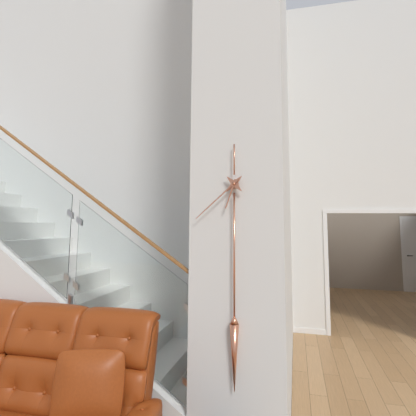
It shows 6h38
